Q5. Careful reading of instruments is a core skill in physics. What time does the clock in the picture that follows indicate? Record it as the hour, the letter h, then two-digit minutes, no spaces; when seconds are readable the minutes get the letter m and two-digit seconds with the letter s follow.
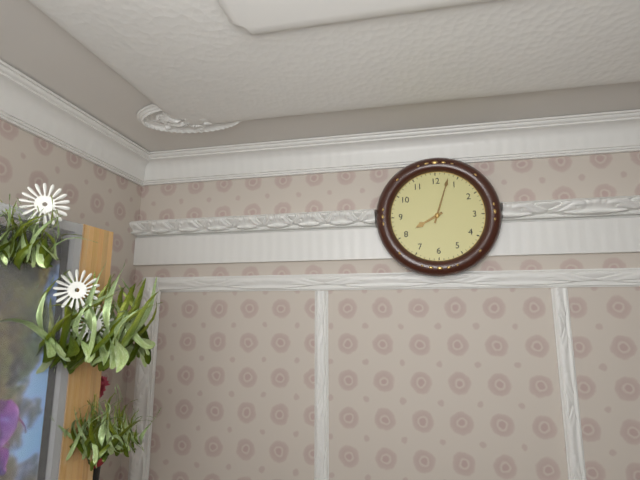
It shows 8h03
